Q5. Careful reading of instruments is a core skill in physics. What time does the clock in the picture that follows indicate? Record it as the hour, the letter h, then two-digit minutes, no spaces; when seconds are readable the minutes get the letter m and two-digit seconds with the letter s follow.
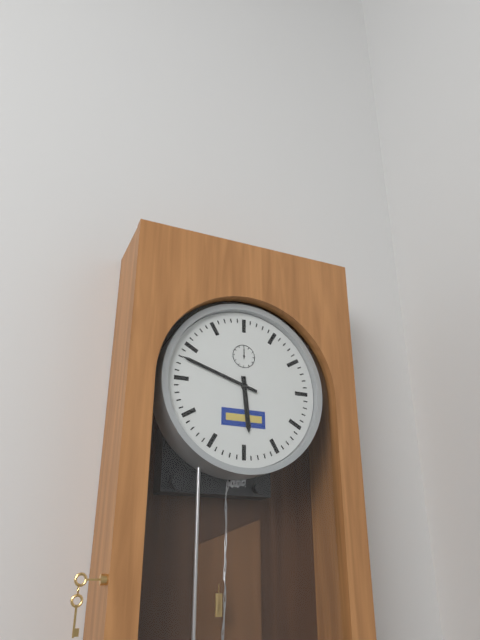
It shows 5h48
